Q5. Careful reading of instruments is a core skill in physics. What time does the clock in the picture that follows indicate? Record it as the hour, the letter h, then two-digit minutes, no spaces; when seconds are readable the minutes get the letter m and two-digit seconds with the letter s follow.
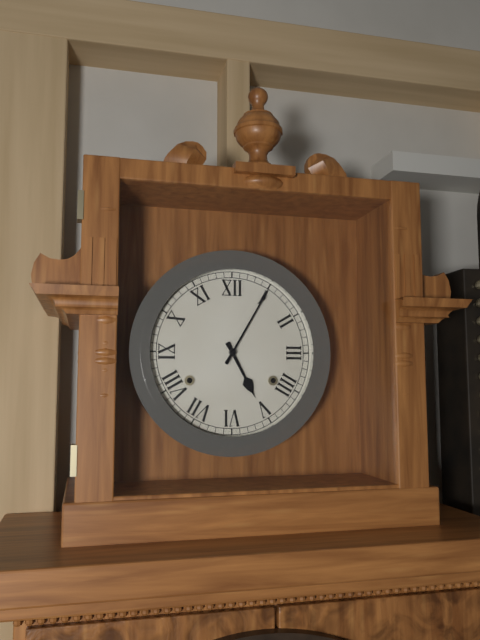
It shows 5h05
